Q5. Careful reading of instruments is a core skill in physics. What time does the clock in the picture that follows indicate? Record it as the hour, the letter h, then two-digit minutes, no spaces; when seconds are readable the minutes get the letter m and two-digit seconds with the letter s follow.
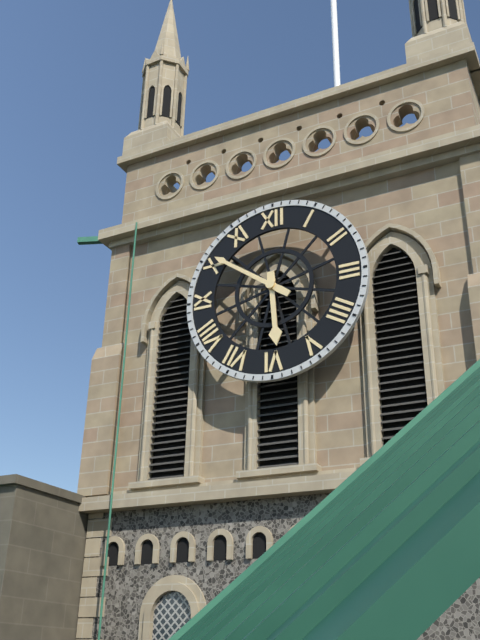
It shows 5h51
